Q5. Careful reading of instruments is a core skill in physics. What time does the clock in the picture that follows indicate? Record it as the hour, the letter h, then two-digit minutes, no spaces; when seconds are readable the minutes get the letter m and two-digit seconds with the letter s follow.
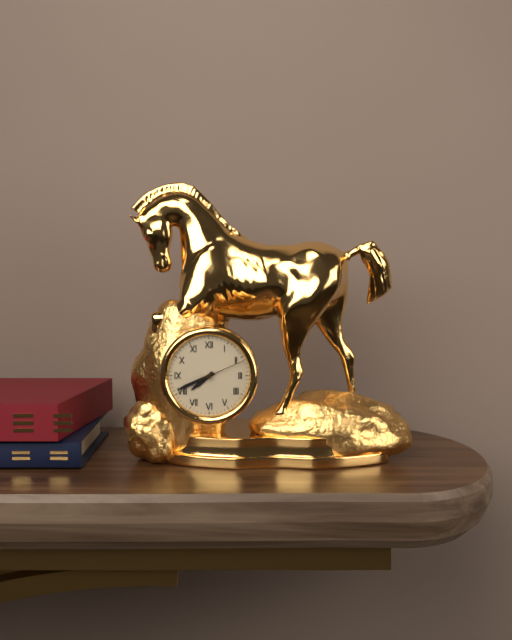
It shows 7h41
